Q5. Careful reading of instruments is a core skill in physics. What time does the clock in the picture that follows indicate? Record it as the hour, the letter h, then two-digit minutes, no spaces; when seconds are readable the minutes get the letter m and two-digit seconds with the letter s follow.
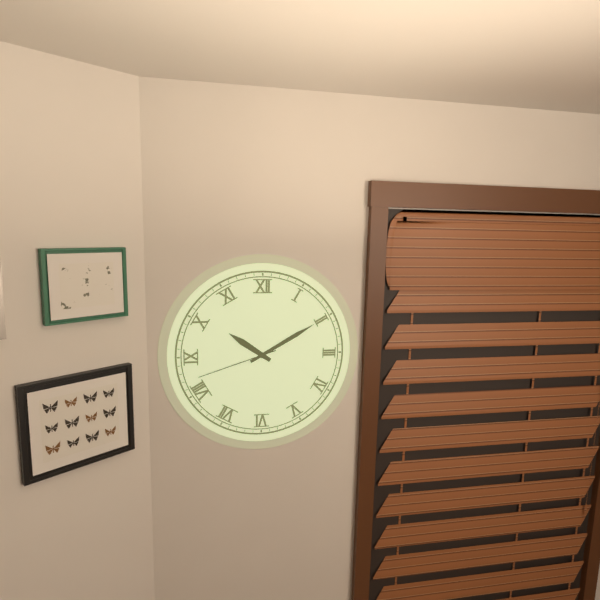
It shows 10h10m42s
